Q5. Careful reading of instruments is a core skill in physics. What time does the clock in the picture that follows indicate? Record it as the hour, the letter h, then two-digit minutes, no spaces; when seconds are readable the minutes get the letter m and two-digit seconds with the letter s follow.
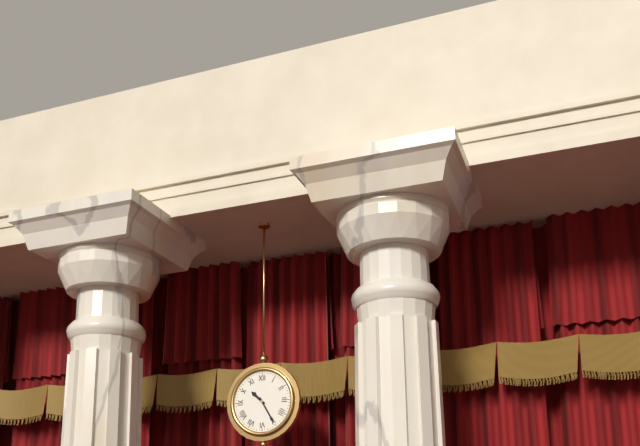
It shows 10h25
